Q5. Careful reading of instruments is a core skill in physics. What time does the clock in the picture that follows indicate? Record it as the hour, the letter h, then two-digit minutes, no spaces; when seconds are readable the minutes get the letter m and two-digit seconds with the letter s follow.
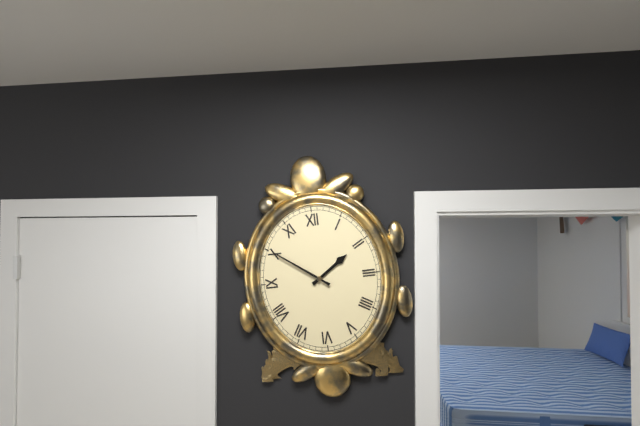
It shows 1h51
